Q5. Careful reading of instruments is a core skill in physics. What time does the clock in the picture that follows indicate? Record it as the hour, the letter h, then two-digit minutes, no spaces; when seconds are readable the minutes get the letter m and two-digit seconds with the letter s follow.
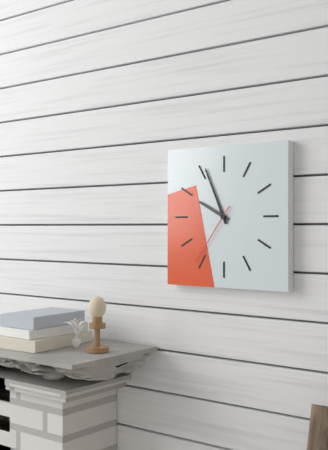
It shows 9h56m36s
